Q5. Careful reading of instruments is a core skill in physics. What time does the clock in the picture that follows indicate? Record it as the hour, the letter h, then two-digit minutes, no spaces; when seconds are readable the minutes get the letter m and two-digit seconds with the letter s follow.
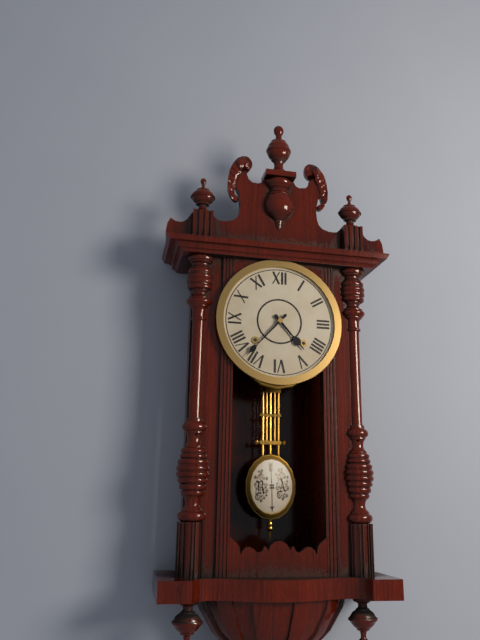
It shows 4h37
